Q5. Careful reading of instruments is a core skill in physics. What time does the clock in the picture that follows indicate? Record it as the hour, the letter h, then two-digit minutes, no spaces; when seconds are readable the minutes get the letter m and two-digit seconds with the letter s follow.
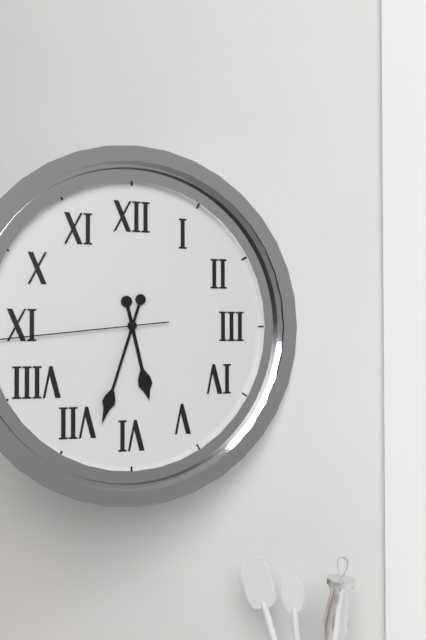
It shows 5h33
